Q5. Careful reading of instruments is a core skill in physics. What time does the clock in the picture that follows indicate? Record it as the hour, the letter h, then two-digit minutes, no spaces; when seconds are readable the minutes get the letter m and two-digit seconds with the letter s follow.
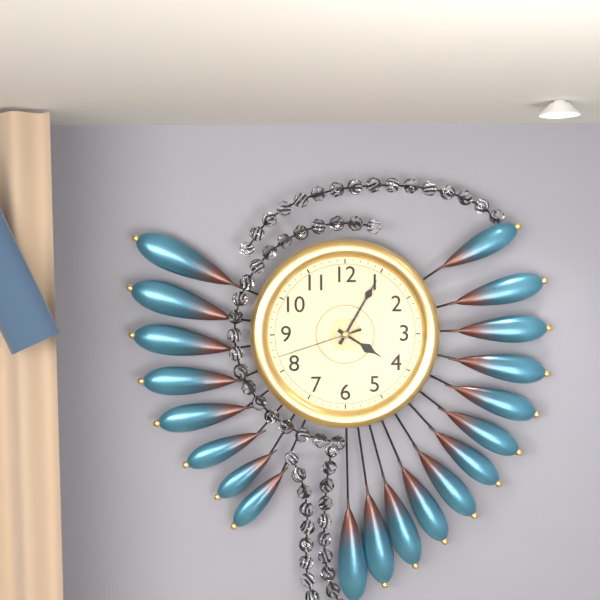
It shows 4h05m42s
